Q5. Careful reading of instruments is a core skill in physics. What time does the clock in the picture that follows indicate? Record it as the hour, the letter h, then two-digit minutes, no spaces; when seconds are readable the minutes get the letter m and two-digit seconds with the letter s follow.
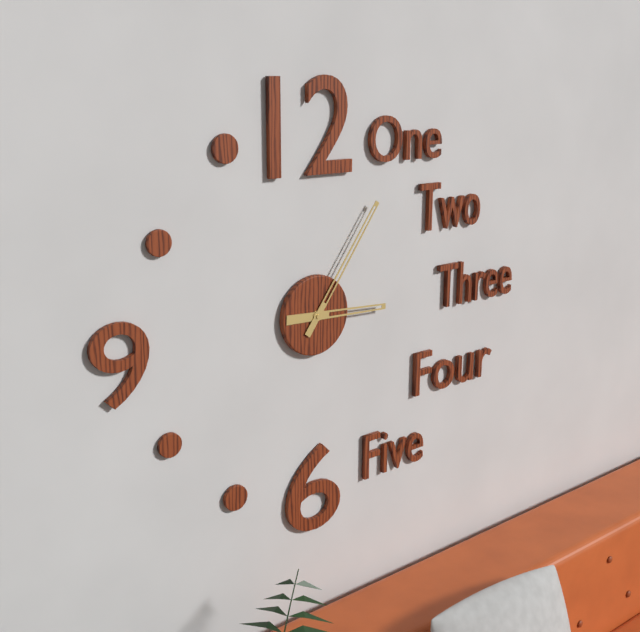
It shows 3h06
